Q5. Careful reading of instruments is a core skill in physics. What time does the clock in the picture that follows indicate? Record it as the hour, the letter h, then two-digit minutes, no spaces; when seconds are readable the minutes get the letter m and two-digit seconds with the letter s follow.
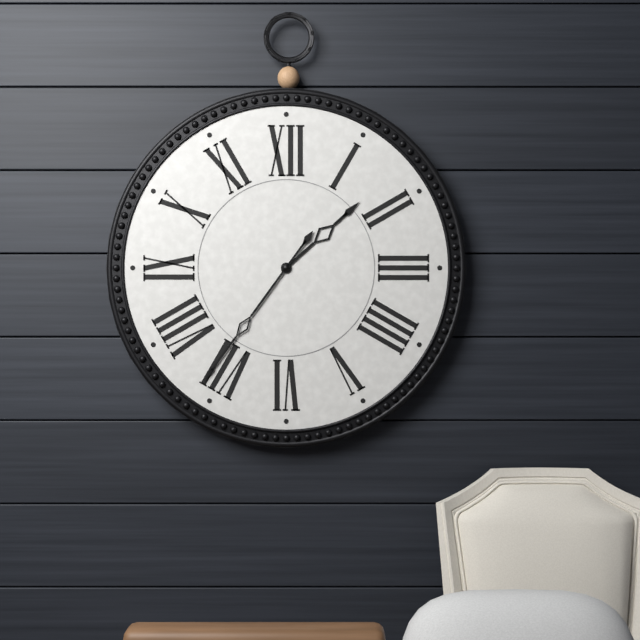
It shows 1h36
